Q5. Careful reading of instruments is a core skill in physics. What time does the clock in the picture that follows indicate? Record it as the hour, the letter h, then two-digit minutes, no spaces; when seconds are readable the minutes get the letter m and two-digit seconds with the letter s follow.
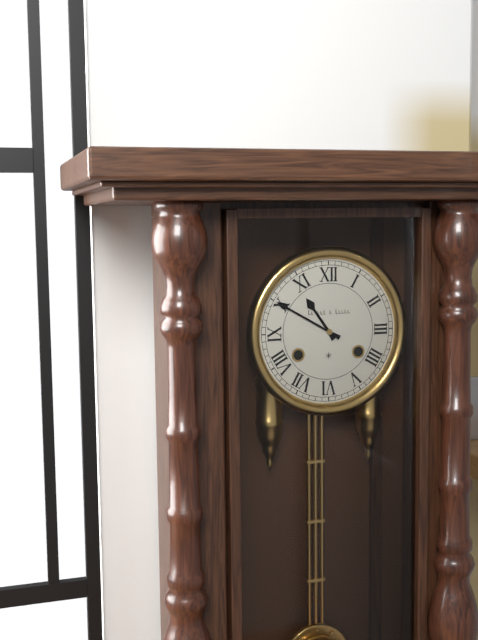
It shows 10h50
